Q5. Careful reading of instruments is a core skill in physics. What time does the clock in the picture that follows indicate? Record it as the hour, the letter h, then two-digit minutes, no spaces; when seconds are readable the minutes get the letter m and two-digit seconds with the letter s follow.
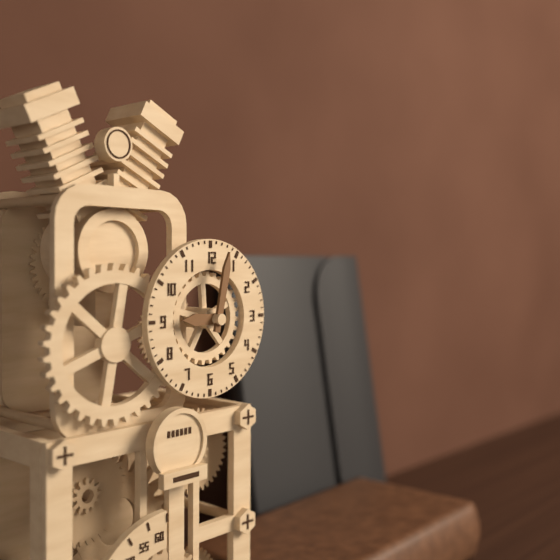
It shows 9h02
